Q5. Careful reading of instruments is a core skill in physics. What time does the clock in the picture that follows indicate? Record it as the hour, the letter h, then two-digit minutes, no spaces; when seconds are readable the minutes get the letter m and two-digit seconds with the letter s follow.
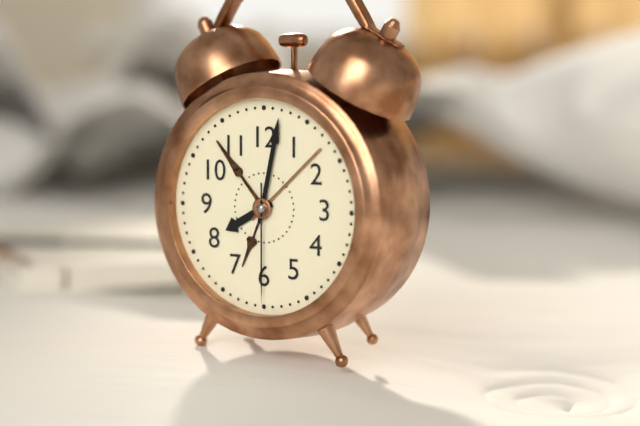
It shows 8h02m30s
